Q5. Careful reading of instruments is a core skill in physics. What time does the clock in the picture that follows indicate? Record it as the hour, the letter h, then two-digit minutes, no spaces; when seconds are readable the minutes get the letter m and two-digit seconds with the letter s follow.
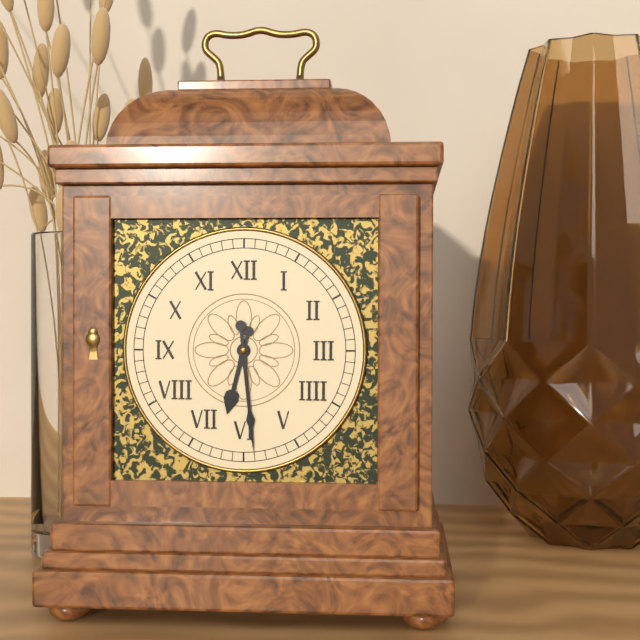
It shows 6h29
